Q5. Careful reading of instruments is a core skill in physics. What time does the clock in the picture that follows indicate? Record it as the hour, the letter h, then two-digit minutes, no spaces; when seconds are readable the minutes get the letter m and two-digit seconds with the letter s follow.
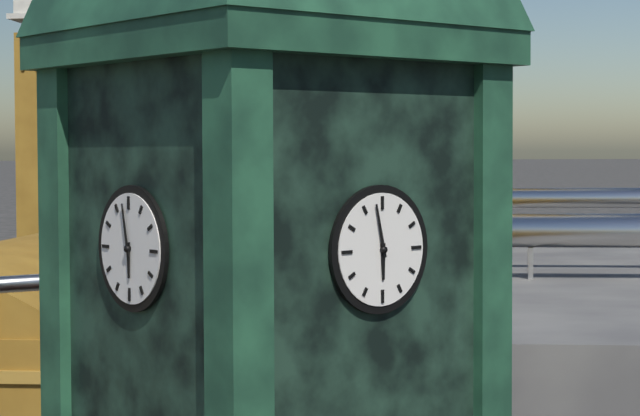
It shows 5h58
